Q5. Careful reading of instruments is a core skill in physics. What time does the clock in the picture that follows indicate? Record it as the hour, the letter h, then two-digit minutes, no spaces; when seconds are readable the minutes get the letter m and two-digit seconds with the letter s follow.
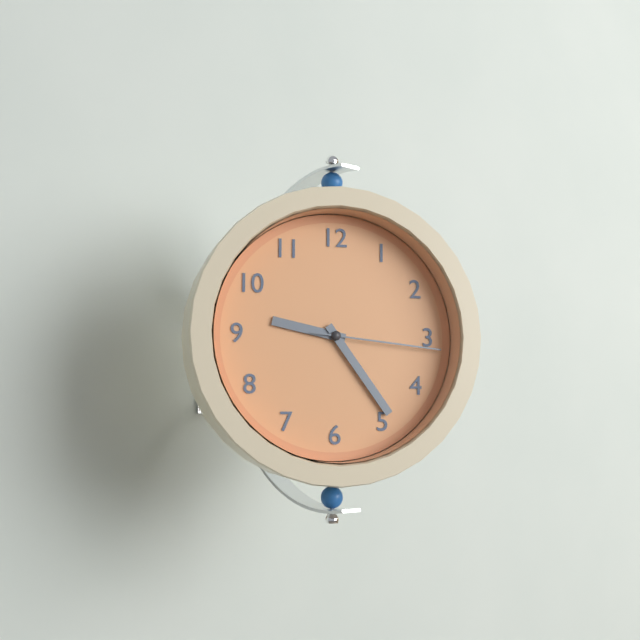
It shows 9h24m16s
